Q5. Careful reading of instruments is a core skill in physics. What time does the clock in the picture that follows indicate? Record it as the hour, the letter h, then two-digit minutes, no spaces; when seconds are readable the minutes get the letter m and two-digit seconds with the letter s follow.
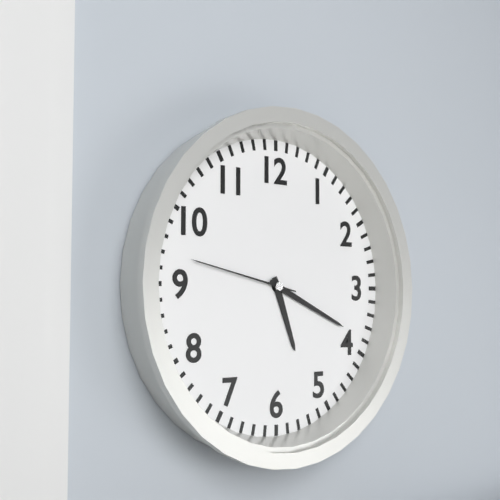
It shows 5h19m47s
